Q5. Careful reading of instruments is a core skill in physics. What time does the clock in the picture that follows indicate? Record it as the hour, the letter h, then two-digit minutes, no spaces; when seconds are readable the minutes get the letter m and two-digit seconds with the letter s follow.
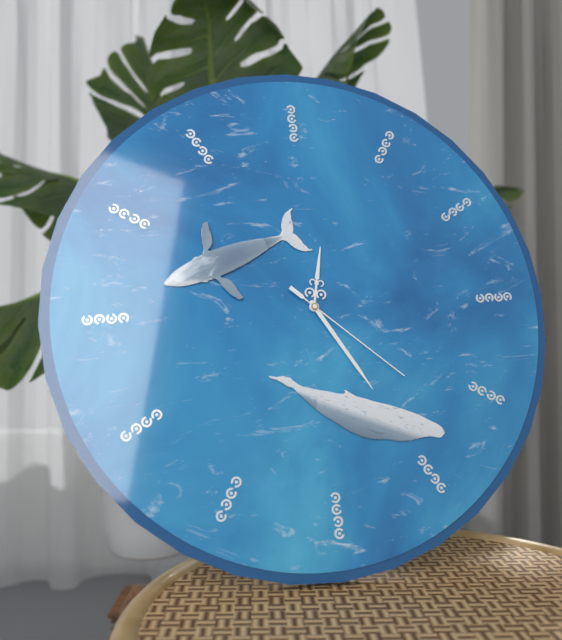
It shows 12h25m22s
